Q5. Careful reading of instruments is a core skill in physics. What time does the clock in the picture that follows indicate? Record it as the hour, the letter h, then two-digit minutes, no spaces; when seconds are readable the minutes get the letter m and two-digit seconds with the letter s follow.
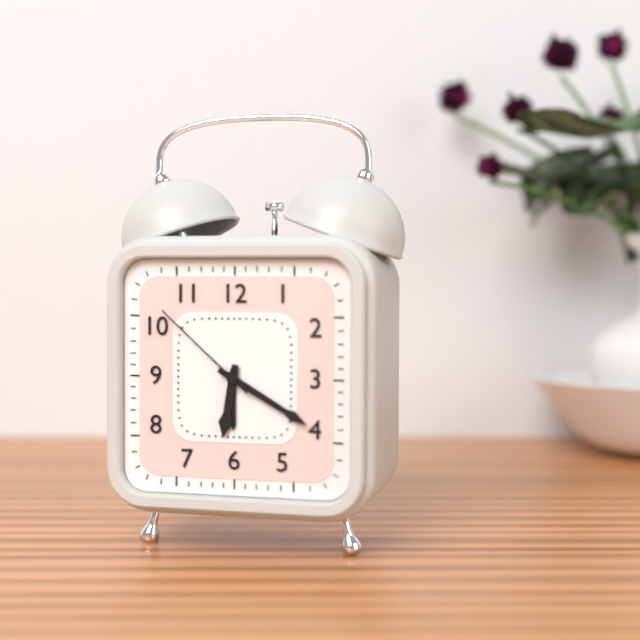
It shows 6h20m52s
